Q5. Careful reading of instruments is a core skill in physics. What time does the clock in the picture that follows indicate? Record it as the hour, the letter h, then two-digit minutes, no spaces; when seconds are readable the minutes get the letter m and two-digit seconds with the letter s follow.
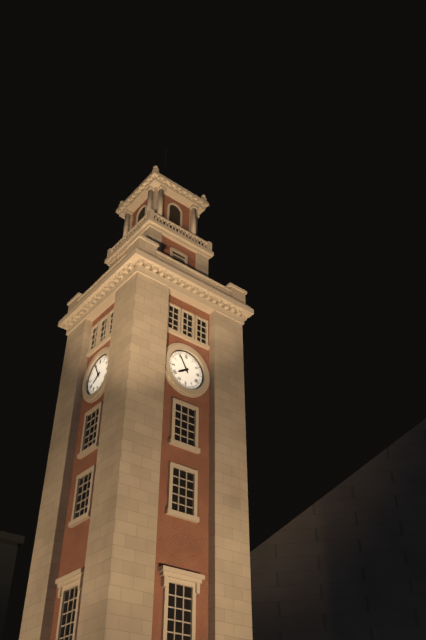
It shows 7h55
